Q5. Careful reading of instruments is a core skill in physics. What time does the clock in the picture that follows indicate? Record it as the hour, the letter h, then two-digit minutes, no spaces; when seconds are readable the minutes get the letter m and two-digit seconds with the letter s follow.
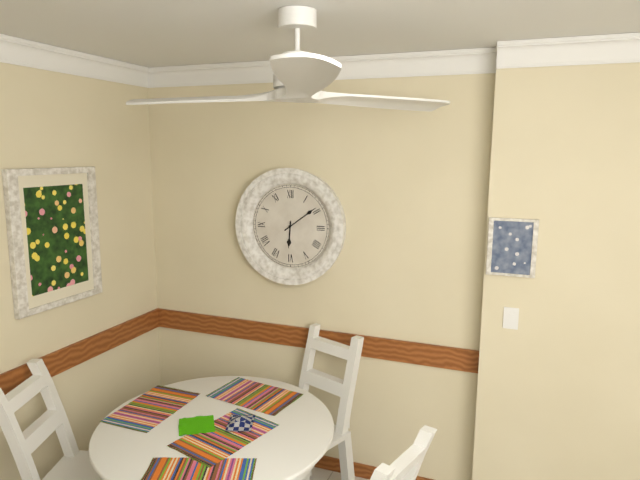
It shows 6h09
